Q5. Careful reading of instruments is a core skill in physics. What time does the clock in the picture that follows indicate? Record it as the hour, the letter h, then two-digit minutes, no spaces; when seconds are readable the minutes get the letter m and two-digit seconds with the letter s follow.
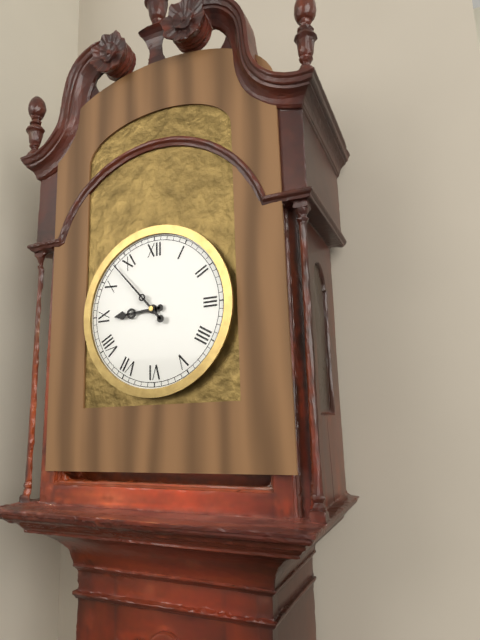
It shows 8h53
